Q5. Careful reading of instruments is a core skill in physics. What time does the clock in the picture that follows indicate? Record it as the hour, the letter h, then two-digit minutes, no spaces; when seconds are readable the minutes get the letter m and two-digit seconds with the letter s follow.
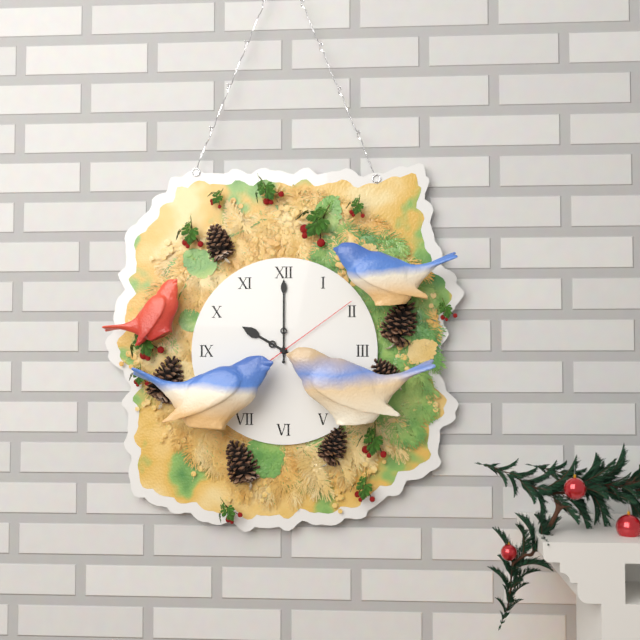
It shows 10h00m09s
